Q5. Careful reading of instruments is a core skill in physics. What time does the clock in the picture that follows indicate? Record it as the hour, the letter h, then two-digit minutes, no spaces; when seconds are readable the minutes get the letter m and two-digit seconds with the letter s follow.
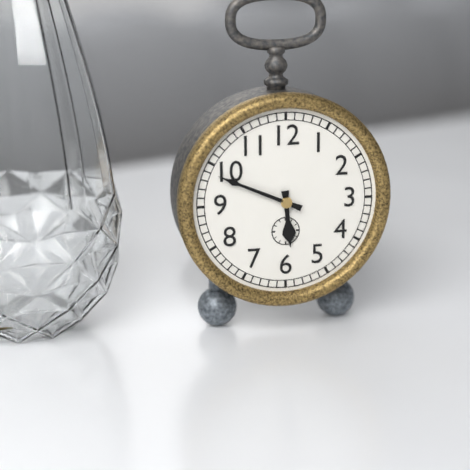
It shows 5h49
